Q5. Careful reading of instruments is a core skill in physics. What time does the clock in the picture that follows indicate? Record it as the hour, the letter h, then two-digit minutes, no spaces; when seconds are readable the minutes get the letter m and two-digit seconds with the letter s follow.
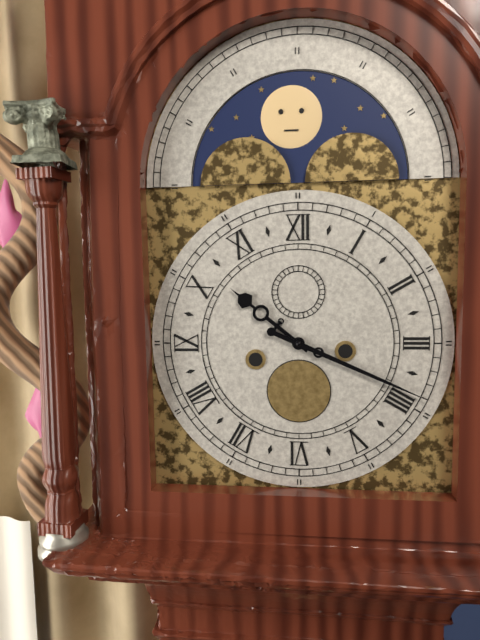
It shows 10h19
